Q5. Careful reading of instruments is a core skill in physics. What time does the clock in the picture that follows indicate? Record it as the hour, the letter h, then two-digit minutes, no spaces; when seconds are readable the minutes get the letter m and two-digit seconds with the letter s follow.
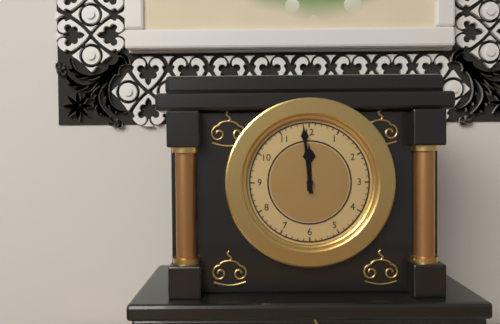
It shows 11h59
